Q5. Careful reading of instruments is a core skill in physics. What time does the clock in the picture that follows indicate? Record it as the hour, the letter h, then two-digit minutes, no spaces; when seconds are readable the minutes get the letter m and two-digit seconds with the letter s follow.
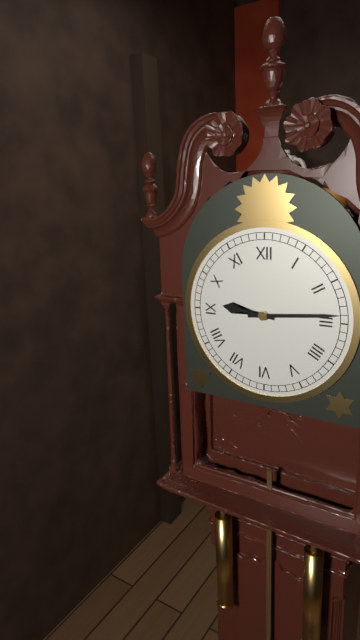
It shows 9h14
